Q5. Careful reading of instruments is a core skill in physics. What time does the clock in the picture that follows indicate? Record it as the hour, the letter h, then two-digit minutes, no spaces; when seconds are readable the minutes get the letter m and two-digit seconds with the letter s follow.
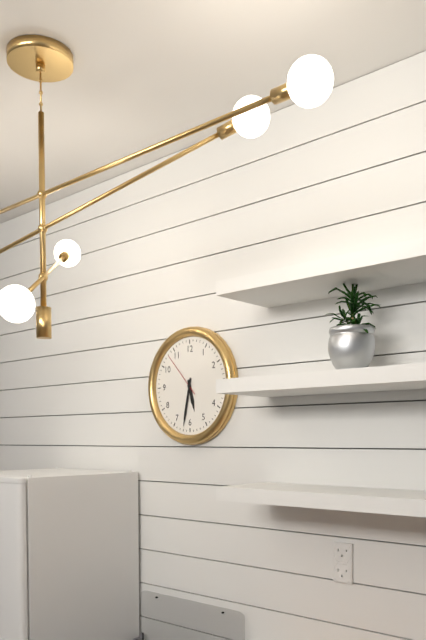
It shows 5h32
